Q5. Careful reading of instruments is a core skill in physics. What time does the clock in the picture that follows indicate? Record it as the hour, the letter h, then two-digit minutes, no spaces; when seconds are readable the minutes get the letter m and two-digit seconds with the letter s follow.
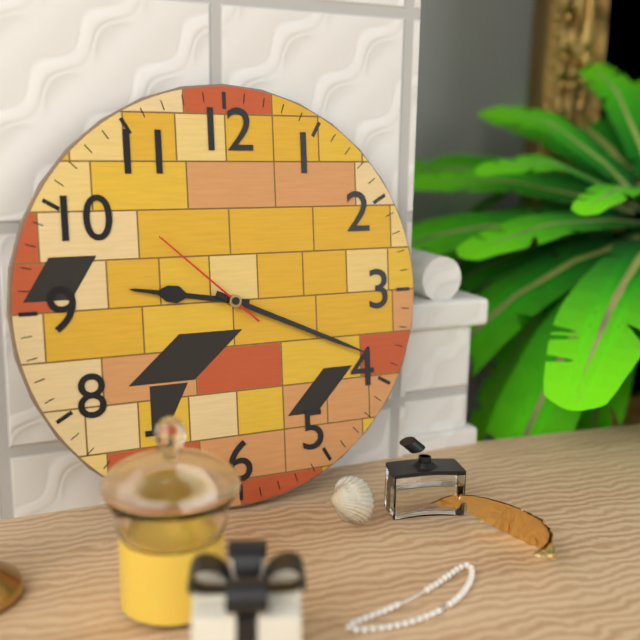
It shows 9h19m52s
